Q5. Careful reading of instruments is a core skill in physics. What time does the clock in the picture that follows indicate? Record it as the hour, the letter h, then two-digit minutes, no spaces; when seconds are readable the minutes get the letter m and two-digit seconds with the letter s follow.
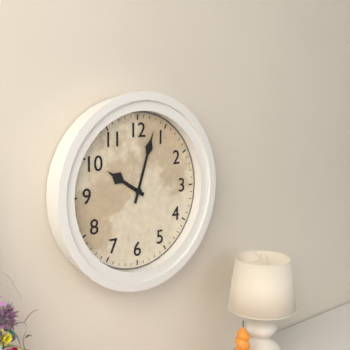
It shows 10h03
